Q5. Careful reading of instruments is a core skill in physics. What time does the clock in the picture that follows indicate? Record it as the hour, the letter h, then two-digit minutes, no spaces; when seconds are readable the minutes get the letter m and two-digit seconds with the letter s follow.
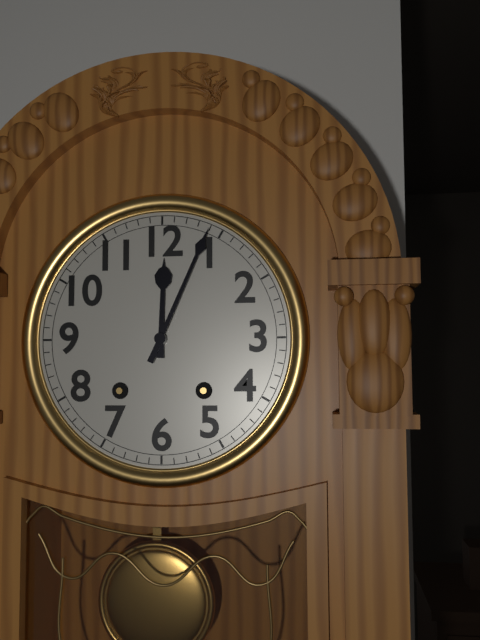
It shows 12h04
